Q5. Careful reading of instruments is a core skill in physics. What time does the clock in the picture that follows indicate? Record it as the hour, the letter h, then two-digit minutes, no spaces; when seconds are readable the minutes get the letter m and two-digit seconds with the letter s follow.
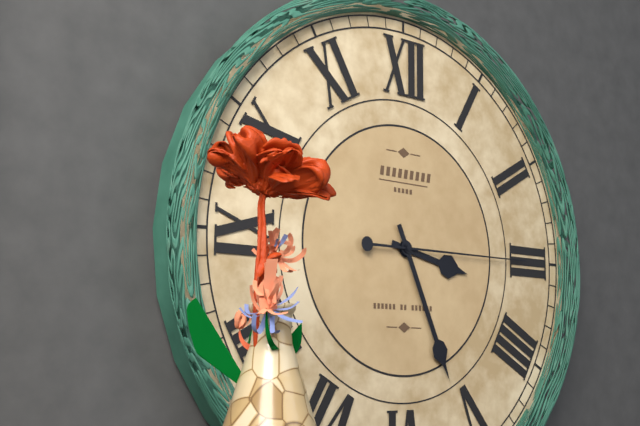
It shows 3h26m15s
